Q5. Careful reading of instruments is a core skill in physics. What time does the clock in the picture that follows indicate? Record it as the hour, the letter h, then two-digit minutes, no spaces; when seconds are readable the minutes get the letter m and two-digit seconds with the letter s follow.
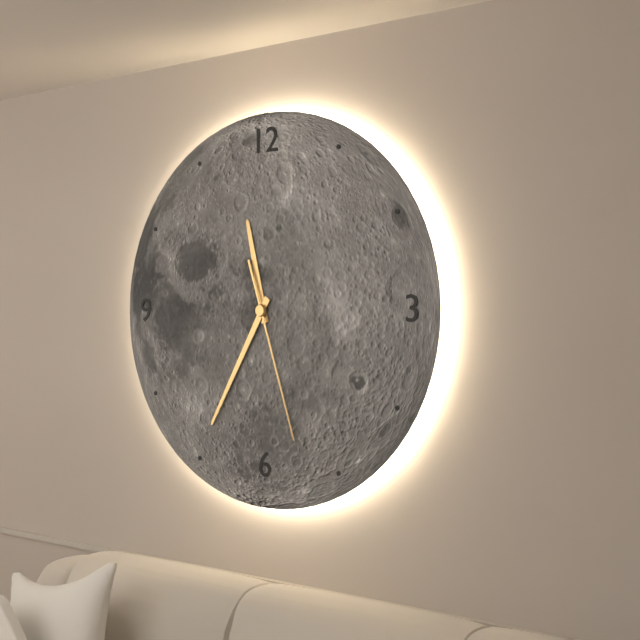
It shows 11h35m27s
